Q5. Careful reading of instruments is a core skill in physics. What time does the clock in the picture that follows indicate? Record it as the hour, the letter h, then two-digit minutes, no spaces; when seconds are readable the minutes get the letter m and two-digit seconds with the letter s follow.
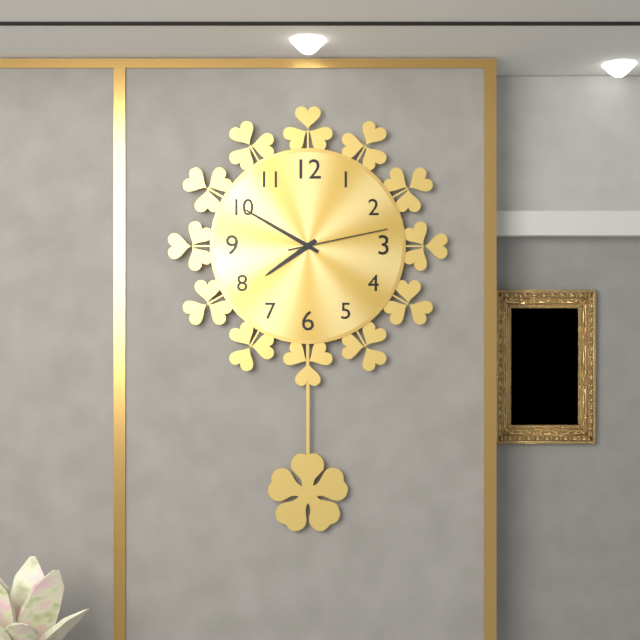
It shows 7h50m13s
